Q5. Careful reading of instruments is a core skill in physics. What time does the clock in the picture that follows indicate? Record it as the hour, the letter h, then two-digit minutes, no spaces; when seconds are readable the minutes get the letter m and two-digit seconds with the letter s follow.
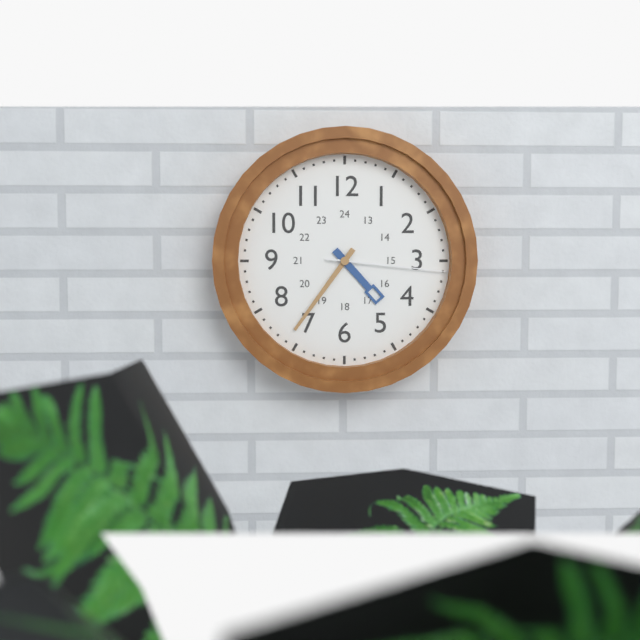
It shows 4h36m16s
